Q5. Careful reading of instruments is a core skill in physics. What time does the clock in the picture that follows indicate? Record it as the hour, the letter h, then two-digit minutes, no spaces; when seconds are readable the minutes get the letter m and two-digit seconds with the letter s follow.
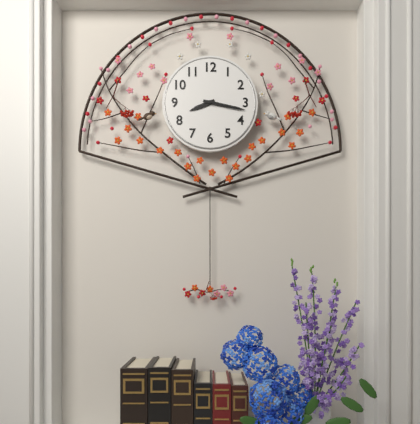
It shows 8h17
